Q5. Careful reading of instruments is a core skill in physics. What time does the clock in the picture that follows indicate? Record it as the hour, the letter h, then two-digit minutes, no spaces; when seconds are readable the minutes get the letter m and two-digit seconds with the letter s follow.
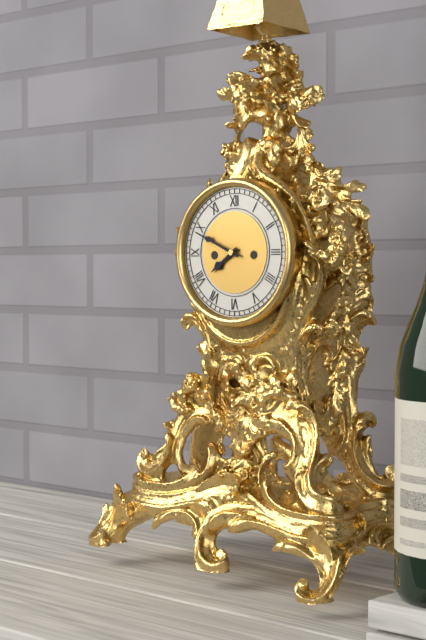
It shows 7h49
